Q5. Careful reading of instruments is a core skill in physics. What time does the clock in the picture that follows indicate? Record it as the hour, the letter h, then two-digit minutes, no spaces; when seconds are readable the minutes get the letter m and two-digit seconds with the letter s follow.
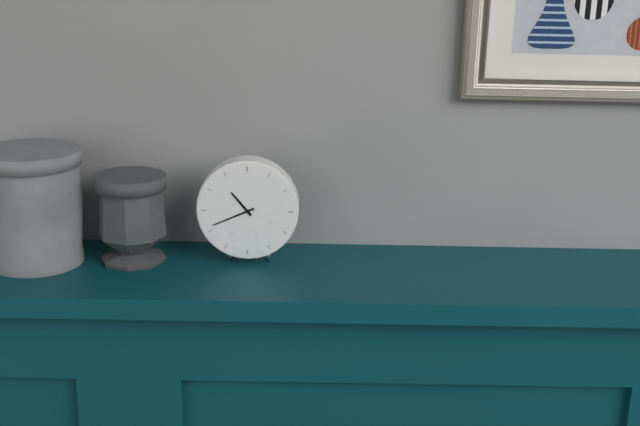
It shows 10h41
